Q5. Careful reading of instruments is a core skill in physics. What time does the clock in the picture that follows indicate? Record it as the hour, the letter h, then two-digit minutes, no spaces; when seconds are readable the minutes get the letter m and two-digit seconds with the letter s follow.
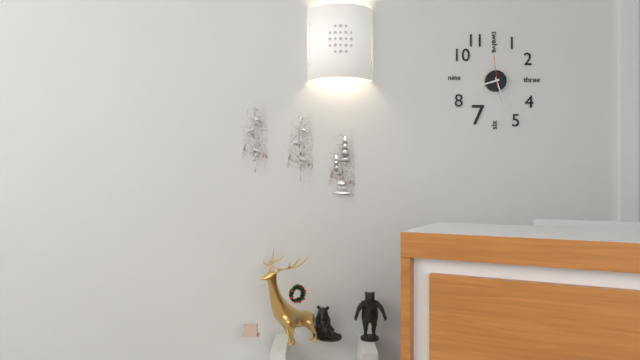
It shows 8h27
